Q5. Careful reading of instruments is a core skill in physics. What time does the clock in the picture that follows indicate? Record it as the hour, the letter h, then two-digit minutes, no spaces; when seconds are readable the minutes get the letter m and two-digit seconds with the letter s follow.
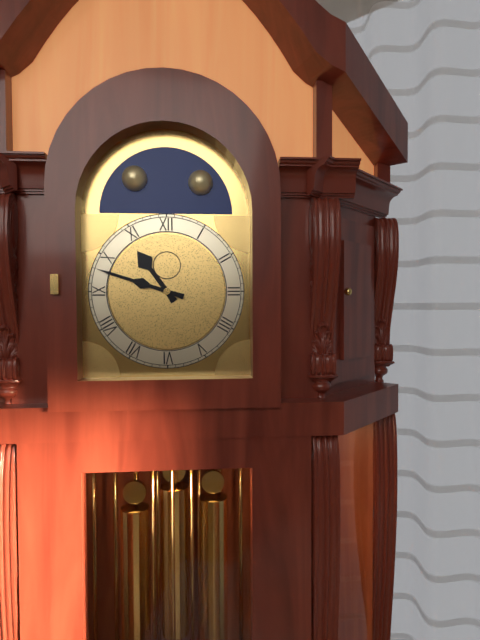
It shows 10h48
